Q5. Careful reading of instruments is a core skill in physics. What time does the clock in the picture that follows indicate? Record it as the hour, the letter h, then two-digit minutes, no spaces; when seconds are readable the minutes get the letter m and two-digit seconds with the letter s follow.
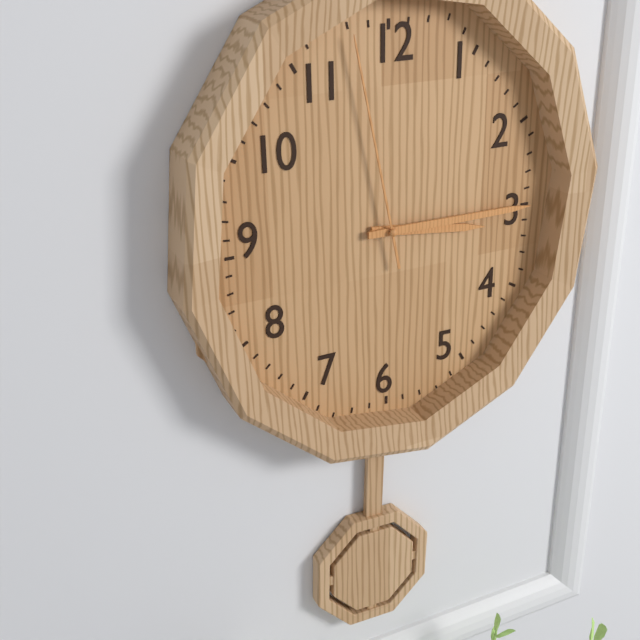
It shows 3h15m58s
